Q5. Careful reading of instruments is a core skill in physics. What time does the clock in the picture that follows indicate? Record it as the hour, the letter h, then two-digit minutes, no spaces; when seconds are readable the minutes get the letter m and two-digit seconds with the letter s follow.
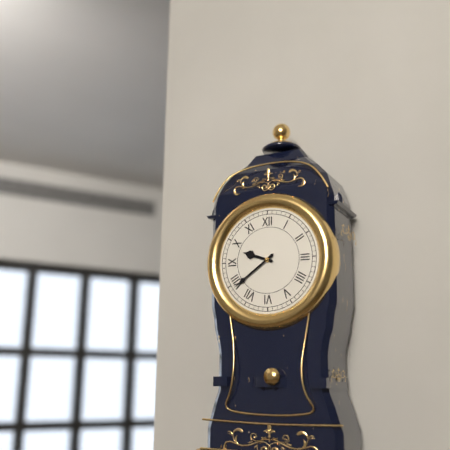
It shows 9h39
